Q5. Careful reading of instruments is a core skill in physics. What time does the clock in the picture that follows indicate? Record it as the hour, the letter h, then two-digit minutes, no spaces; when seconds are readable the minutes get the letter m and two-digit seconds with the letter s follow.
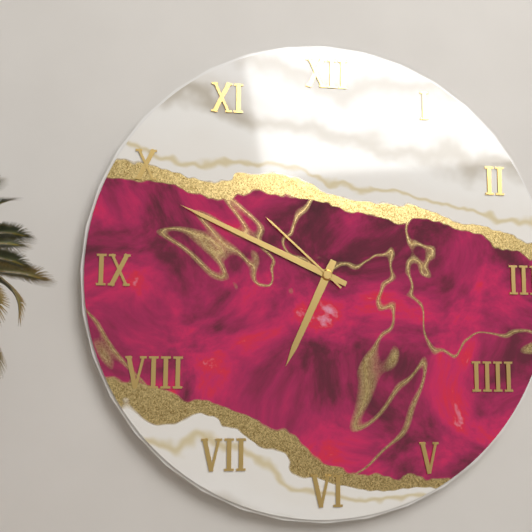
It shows 6h49m52s
